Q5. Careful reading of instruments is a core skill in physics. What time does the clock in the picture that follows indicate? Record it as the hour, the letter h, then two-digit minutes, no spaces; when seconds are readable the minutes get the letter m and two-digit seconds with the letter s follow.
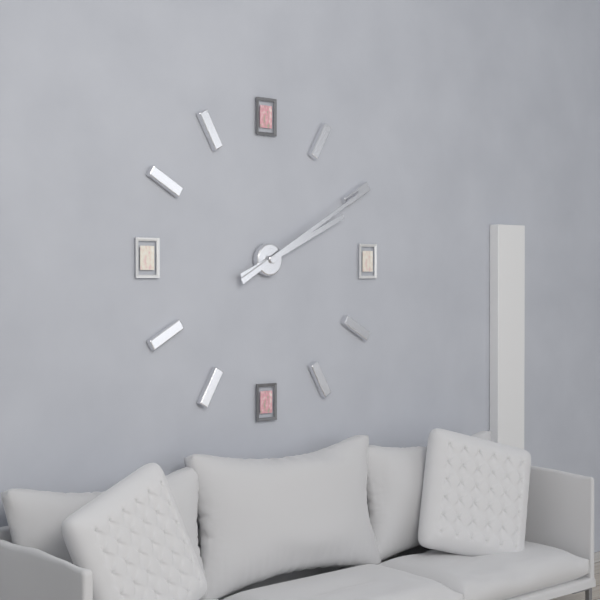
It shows 2h10
